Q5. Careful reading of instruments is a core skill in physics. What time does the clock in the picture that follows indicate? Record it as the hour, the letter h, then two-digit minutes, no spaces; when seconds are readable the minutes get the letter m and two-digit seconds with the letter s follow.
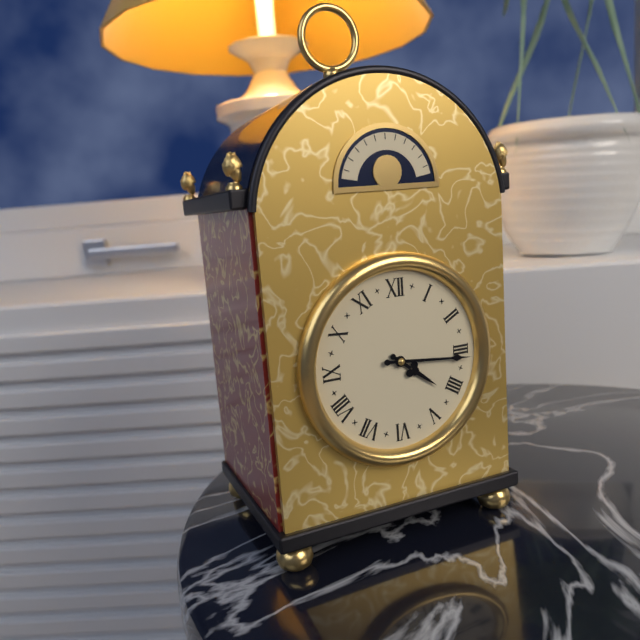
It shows 4h16
